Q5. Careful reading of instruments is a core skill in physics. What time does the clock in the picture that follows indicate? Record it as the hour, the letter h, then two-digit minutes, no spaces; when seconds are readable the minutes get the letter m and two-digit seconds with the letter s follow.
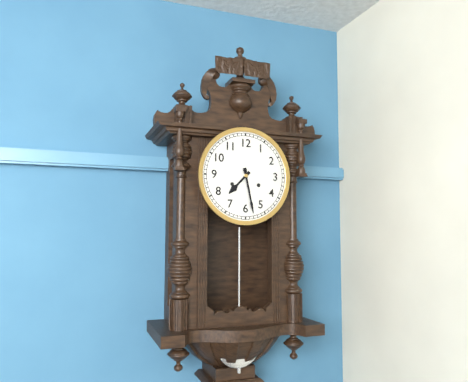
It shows 7h28
